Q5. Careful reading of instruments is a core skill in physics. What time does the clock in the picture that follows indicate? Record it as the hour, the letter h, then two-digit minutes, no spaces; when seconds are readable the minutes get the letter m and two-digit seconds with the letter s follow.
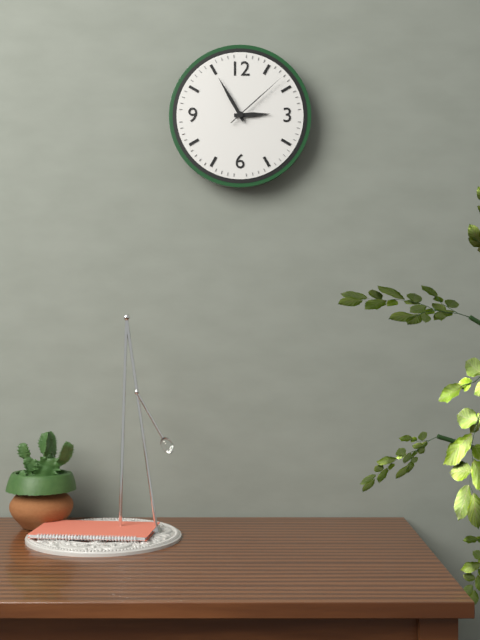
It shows 2h55m08s
